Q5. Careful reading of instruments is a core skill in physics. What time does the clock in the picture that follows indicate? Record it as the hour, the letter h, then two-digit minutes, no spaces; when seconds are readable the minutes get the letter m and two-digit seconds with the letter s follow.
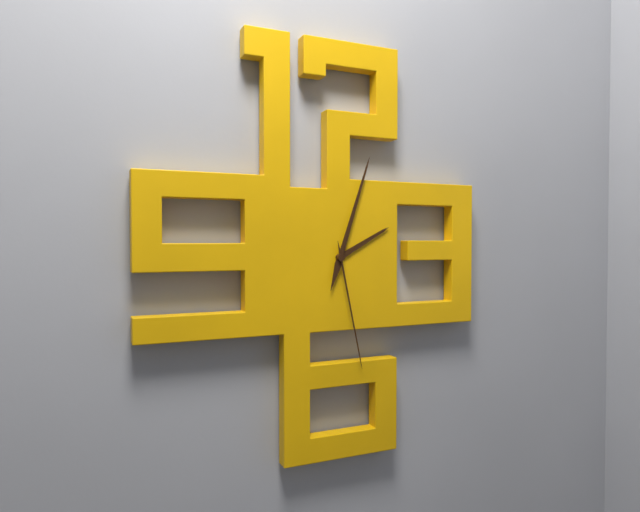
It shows 2h03m28s
